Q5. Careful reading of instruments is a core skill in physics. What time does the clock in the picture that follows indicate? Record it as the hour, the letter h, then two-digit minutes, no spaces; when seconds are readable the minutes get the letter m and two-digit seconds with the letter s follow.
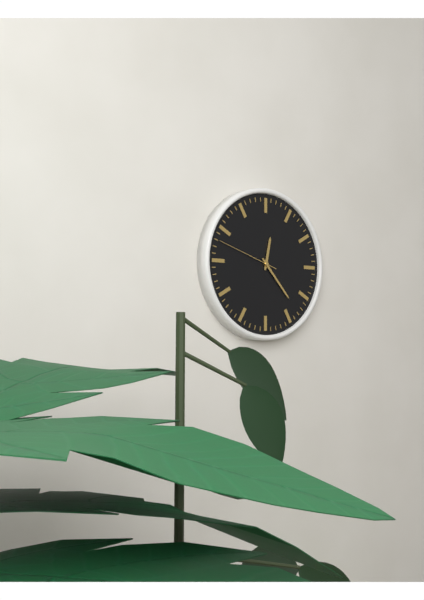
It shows 12h23m48s
